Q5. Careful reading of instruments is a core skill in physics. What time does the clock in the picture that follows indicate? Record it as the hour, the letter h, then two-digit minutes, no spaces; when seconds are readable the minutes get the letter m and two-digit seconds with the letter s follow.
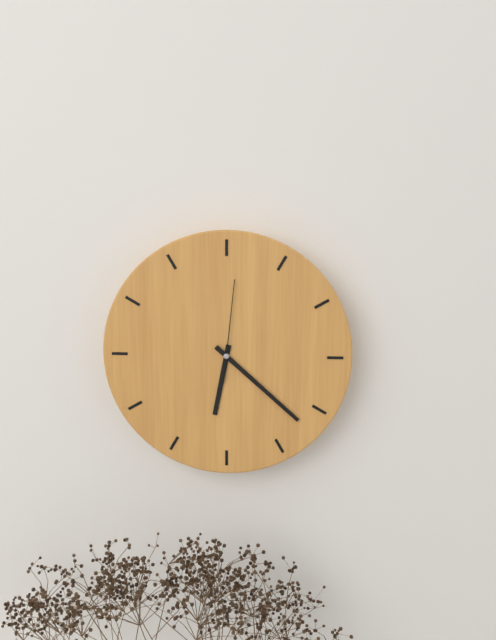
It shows 6h22m01s
